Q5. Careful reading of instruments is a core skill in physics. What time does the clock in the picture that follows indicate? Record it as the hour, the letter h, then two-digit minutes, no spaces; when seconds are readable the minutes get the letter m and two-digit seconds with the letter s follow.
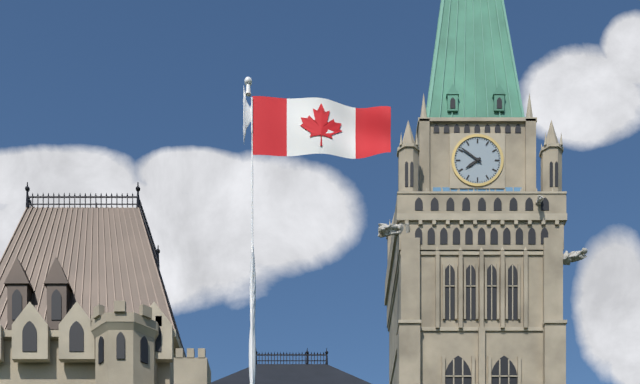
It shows 7h51
